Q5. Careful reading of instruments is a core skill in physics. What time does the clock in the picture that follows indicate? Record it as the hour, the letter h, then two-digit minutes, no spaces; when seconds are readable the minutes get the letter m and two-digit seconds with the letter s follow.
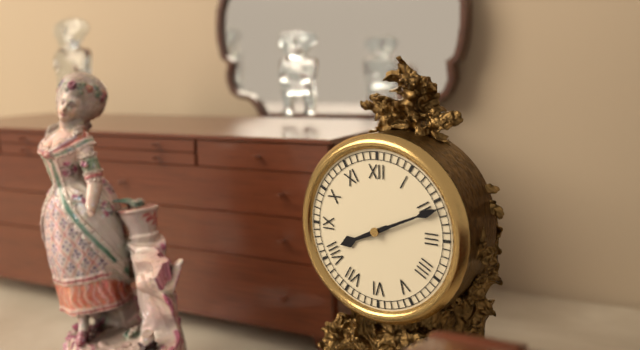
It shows 8h11
